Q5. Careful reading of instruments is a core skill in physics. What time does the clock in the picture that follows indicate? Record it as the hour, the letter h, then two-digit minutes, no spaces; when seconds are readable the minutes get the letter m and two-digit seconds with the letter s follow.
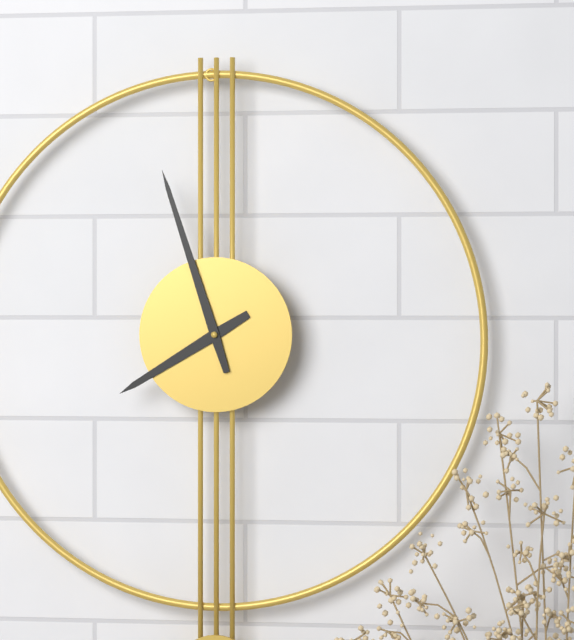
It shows 7h57
